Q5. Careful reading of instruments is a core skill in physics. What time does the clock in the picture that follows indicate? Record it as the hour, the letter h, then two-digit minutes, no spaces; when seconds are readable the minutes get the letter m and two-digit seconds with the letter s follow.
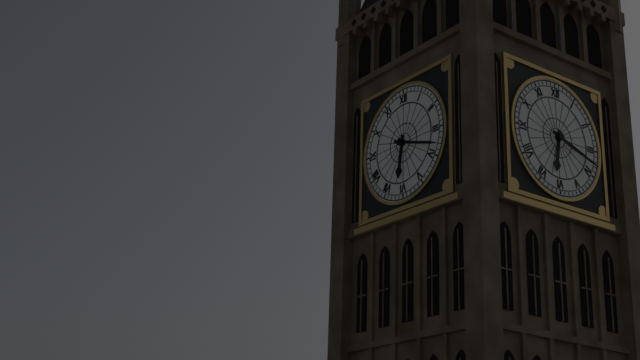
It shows 6h18
